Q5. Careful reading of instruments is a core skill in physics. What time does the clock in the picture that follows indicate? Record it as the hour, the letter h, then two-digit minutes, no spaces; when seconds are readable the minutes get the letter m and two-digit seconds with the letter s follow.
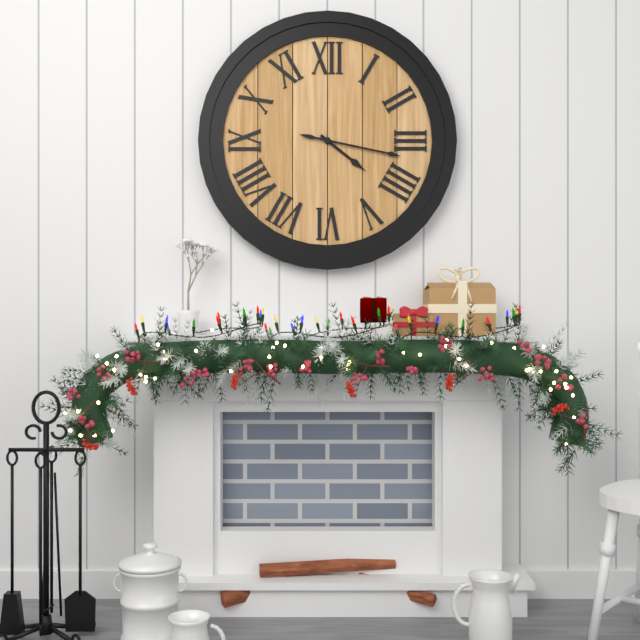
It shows 4h17
